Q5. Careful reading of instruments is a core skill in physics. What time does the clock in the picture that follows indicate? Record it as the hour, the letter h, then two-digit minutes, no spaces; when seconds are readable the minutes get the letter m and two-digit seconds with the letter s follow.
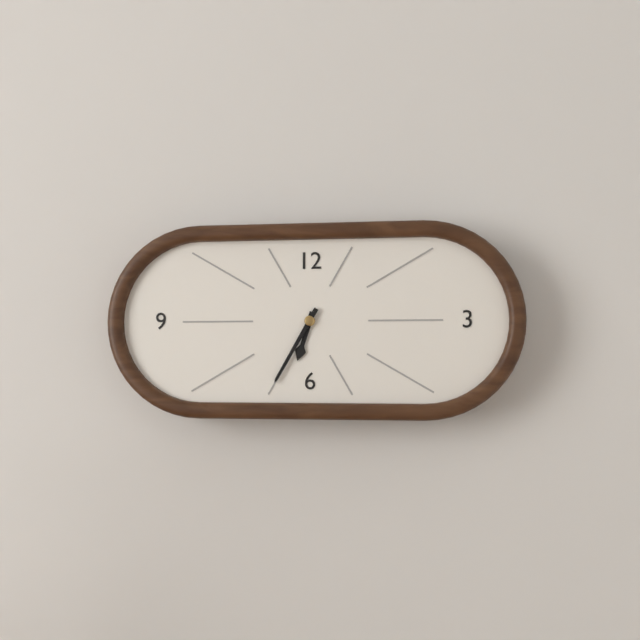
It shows 6h35
